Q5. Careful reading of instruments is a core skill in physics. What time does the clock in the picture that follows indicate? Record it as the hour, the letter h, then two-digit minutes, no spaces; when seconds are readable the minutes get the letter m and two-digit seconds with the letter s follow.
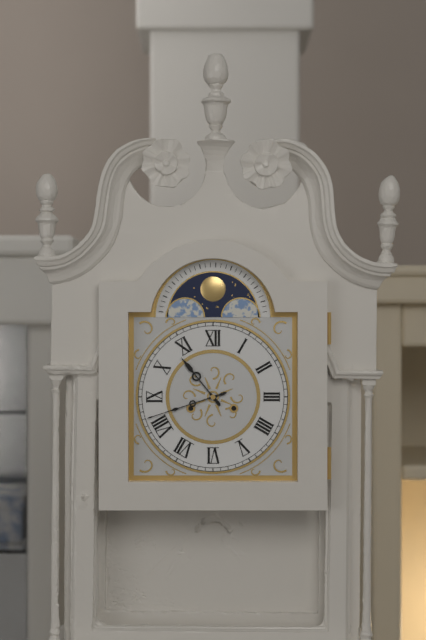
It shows 10h42
